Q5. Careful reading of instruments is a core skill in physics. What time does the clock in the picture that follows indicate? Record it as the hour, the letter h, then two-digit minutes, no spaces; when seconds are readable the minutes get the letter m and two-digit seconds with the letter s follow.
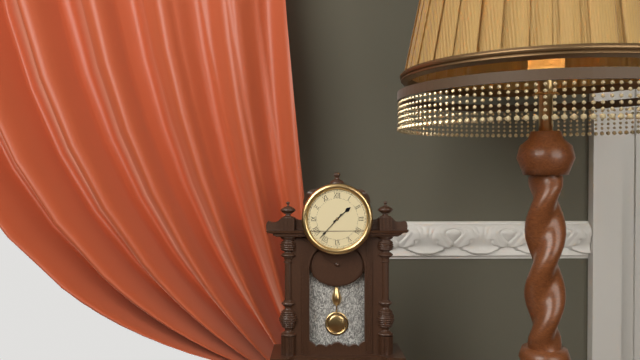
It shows 1h37
